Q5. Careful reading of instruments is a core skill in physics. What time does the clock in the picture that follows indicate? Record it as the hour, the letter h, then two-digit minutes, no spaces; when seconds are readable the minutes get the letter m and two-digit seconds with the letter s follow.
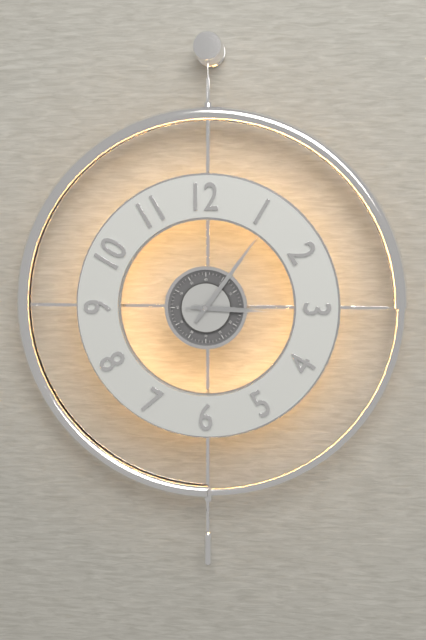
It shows 3h06m15s
